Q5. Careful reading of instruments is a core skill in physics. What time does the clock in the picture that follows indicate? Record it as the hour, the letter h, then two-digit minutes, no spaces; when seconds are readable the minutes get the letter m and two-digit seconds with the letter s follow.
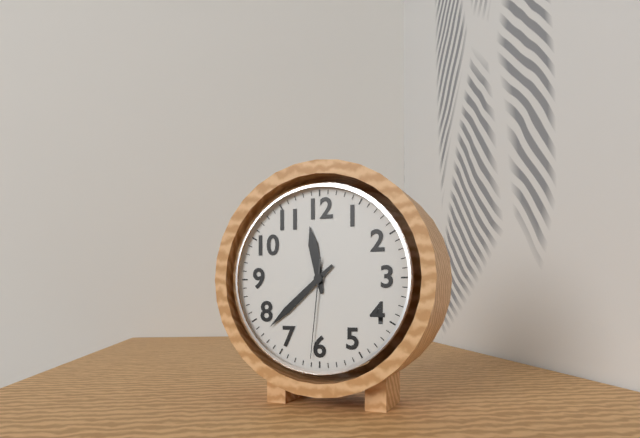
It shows 11h38m31s
